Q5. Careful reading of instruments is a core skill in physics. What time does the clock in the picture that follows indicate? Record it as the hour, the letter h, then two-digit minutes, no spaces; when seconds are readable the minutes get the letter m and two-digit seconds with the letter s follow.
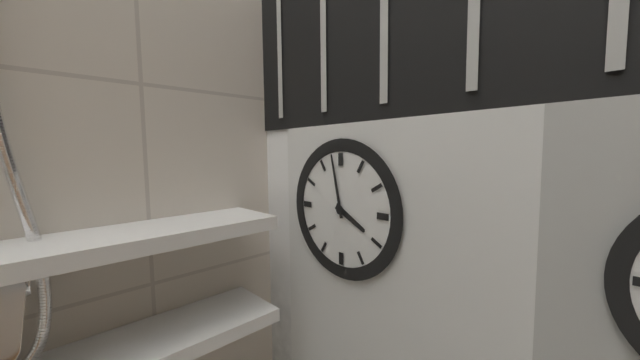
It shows 3h58
